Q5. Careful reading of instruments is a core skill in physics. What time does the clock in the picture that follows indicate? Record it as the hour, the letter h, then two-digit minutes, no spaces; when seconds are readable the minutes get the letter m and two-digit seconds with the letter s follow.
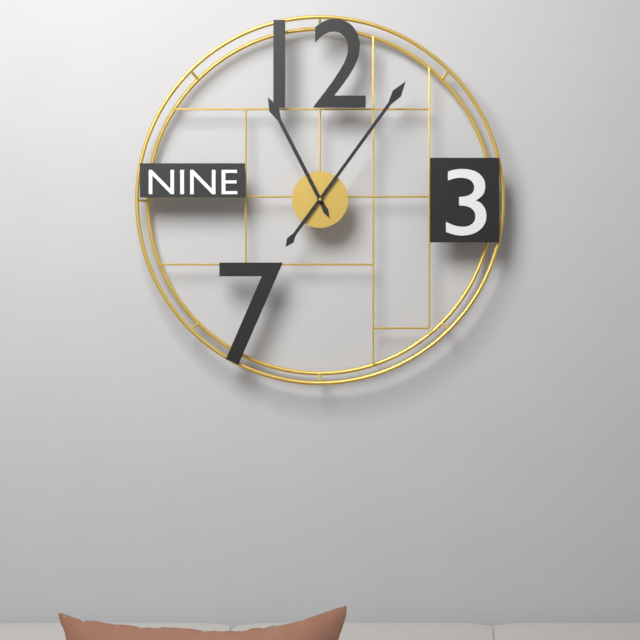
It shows 11h06
